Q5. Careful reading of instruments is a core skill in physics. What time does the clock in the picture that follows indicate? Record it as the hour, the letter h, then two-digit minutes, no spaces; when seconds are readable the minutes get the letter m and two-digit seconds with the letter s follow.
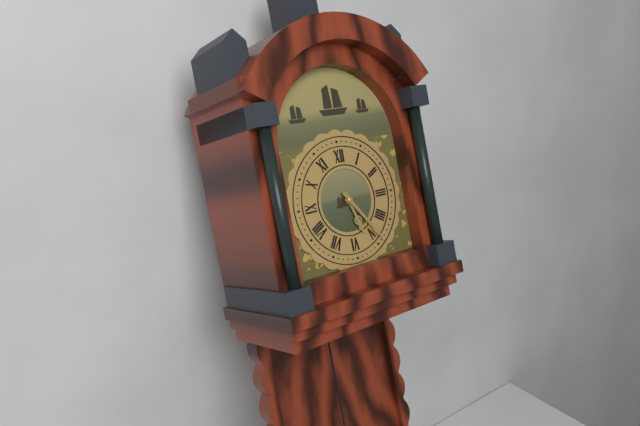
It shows 5h24
